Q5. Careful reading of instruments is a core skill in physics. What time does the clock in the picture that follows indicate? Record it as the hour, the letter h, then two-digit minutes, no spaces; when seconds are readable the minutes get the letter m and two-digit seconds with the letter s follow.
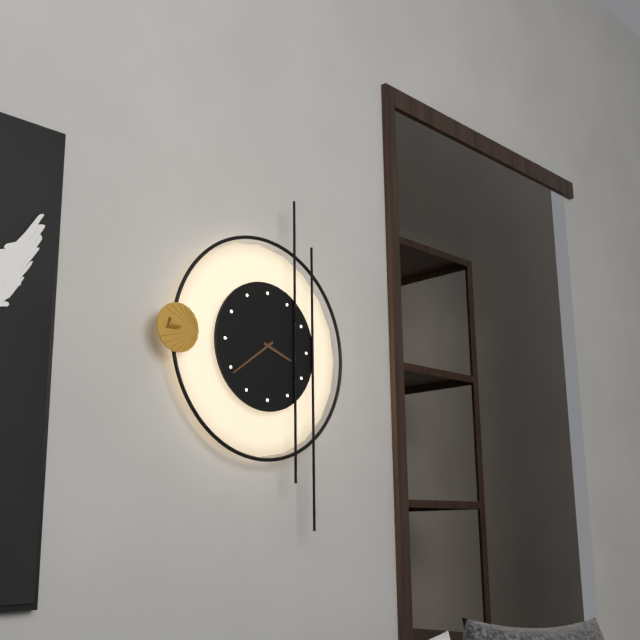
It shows 3h39
